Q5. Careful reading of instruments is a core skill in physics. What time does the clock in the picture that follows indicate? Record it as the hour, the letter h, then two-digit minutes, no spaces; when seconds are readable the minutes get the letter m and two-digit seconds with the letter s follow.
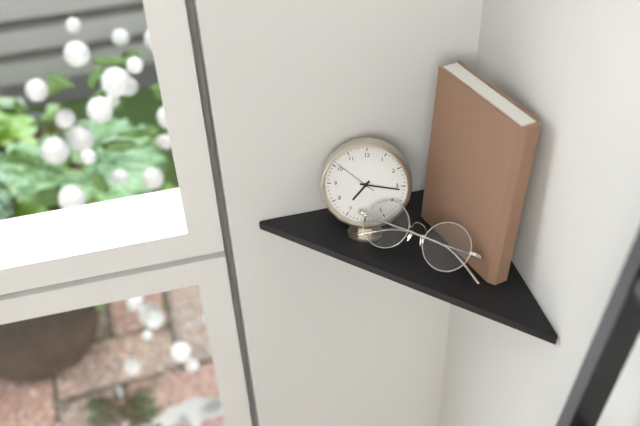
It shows 7h16
